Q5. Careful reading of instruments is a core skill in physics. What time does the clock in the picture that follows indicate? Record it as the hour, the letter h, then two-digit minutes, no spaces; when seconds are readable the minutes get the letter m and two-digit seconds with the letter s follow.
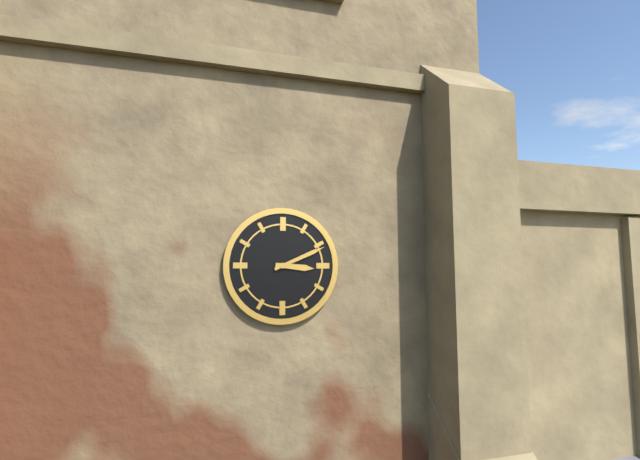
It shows 3h11
